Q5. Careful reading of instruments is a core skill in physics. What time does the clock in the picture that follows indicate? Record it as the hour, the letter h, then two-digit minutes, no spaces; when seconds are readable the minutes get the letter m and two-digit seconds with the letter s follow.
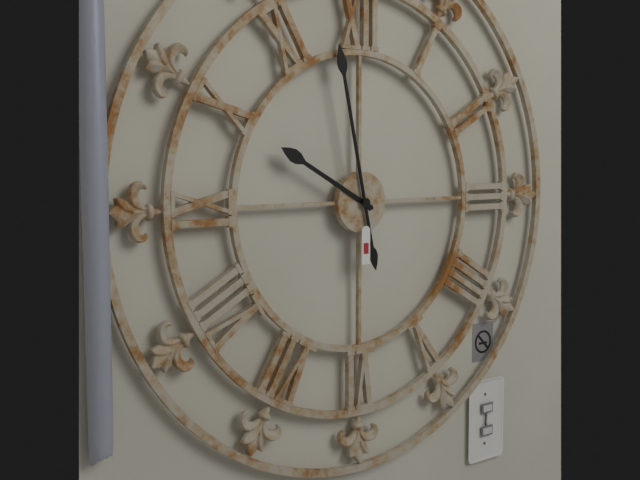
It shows 9h58
